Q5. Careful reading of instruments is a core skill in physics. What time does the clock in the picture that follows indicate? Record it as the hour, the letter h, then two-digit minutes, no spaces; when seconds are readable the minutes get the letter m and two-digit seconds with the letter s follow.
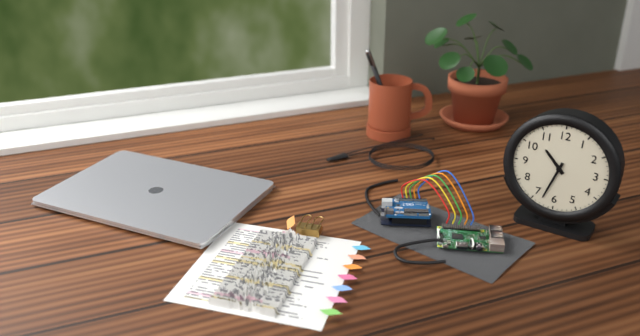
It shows 10h33
